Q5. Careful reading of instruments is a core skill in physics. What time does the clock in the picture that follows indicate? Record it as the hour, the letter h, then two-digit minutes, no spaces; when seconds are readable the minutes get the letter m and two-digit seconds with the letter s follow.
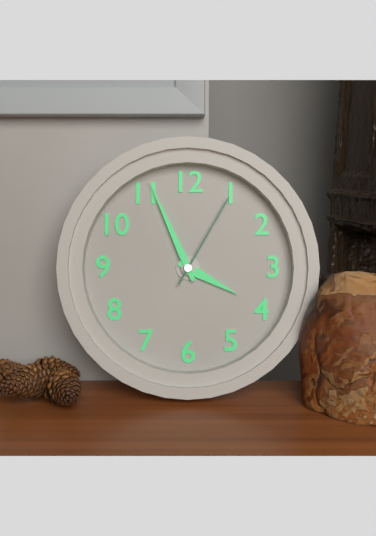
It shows 3h56m05s
